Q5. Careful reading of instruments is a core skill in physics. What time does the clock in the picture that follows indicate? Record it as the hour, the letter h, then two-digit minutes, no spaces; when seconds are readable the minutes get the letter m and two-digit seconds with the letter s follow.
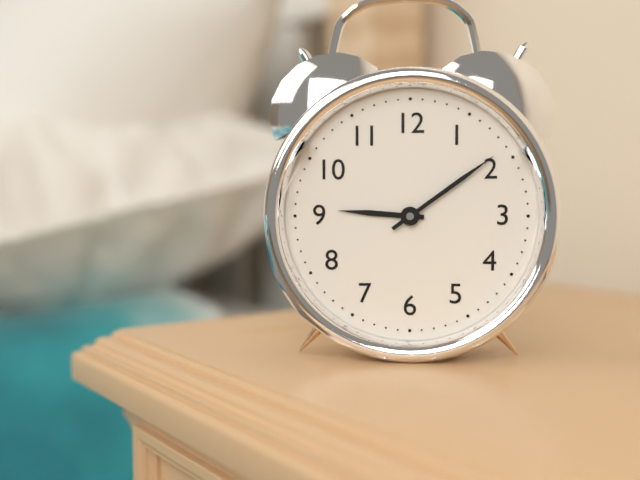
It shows 9h09
